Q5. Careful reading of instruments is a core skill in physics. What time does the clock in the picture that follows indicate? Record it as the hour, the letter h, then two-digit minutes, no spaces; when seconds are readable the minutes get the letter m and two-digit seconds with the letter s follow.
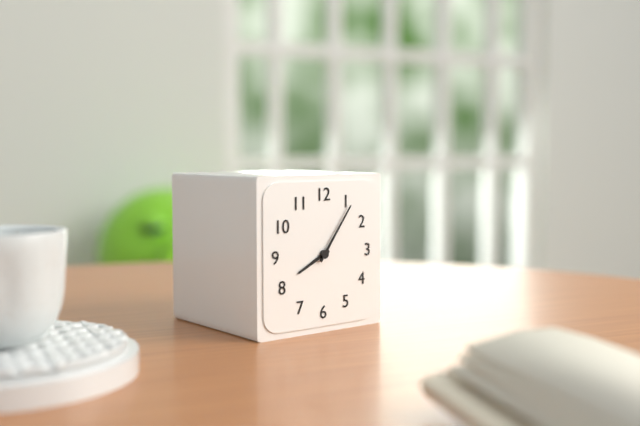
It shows 8h06
